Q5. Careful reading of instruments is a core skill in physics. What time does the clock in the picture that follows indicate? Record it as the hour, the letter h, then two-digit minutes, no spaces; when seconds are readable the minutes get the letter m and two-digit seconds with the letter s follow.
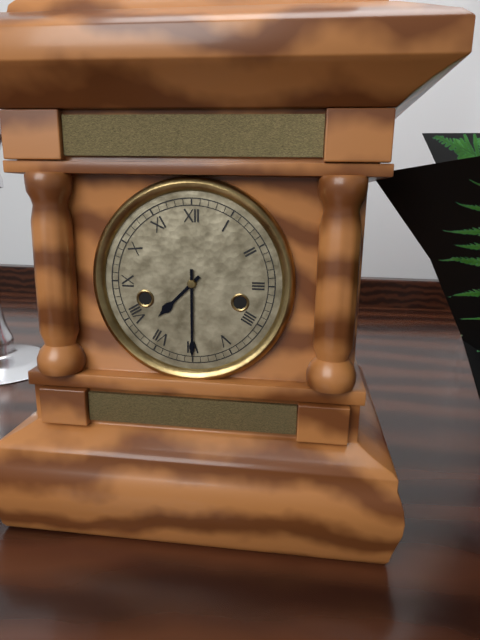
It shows 7h30
